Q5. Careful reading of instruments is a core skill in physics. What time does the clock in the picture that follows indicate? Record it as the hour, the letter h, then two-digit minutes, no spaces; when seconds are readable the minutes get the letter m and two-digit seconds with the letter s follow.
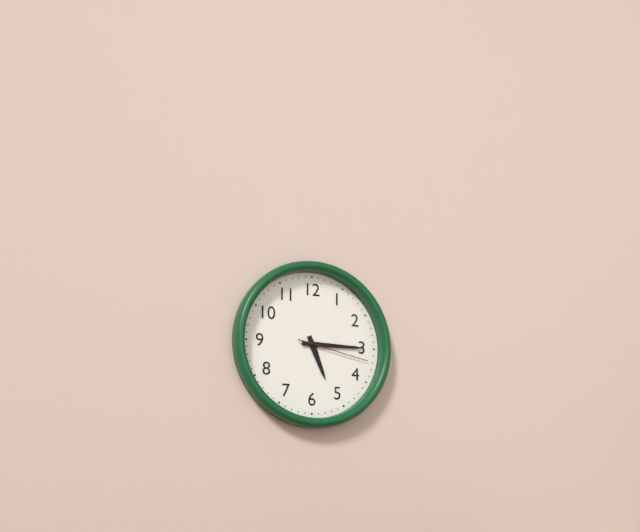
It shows 5h15m17s
